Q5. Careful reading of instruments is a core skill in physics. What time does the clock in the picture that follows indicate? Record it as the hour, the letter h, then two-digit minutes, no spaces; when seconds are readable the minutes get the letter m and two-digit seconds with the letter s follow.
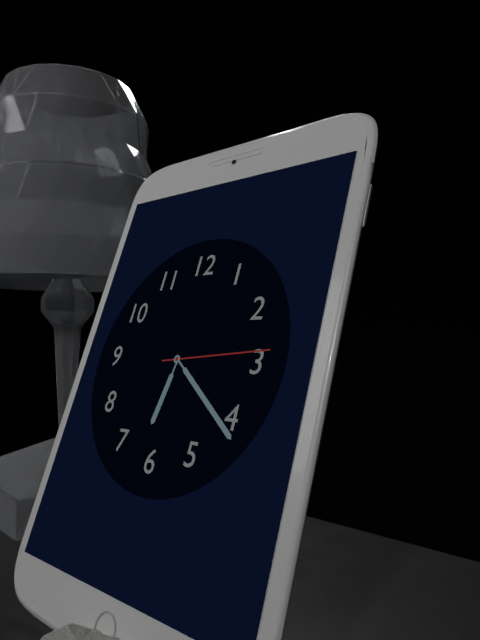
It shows 6h21m14s
